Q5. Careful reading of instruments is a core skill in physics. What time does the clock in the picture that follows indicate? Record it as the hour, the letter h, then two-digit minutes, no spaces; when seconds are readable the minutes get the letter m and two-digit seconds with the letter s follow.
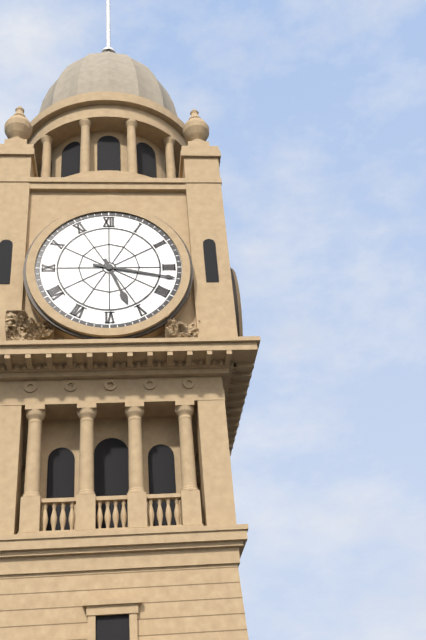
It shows 5h17
